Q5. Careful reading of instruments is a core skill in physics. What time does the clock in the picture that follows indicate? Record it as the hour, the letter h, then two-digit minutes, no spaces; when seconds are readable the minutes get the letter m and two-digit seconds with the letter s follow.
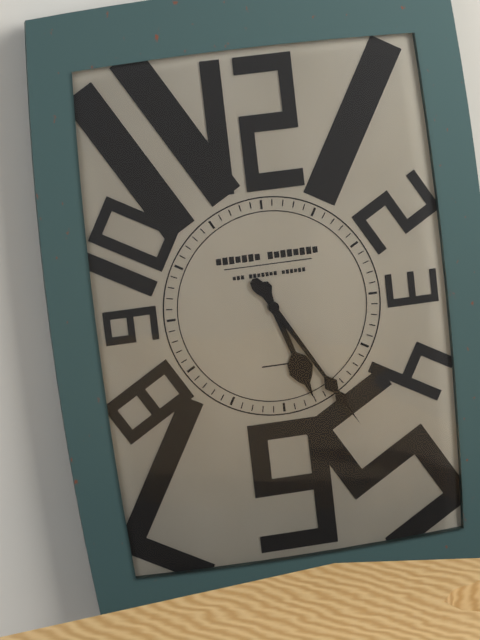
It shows 5h25
